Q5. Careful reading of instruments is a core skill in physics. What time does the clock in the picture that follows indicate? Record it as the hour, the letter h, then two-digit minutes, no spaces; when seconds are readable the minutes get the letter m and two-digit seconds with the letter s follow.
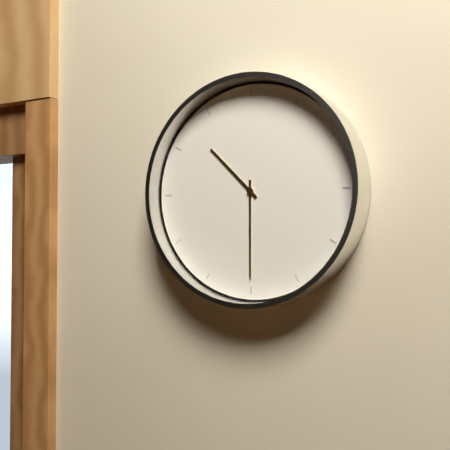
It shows 10h30
